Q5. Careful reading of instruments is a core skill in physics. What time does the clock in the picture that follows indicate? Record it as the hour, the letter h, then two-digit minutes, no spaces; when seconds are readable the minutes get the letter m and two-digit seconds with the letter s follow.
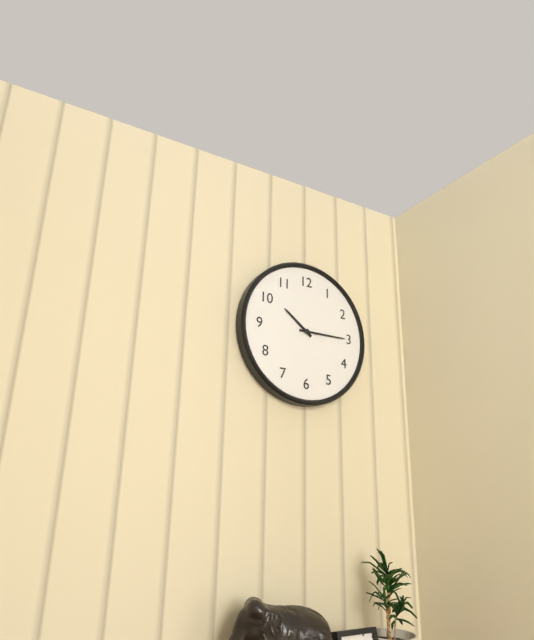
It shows 10h15
